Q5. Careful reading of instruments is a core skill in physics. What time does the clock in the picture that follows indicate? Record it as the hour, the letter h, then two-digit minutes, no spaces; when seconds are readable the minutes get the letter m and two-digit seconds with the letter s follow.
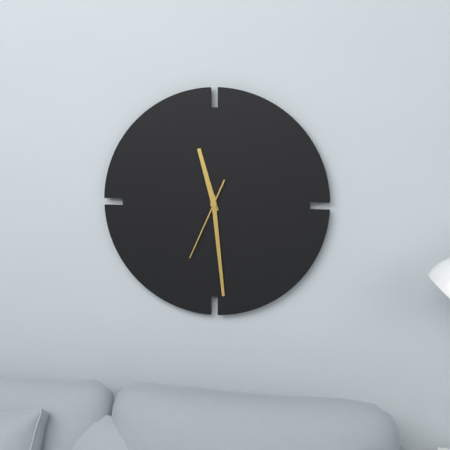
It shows 11h29m34s
